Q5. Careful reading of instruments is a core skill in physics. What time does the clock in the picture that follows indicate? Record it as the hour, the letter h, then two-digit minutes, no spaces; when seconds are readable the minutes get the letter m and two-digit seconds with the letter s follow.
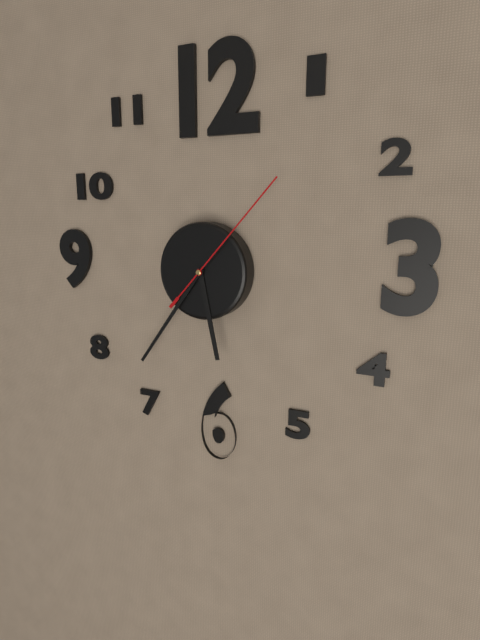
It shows 5h36m07s
